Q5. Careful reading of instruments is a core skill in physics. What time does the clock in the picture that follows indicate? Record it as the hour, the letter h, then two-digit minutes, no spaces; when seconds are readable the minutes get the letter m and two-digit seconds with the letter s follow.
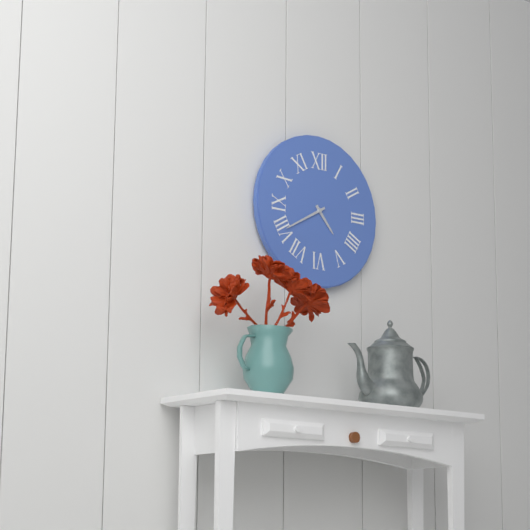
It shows 4h40
